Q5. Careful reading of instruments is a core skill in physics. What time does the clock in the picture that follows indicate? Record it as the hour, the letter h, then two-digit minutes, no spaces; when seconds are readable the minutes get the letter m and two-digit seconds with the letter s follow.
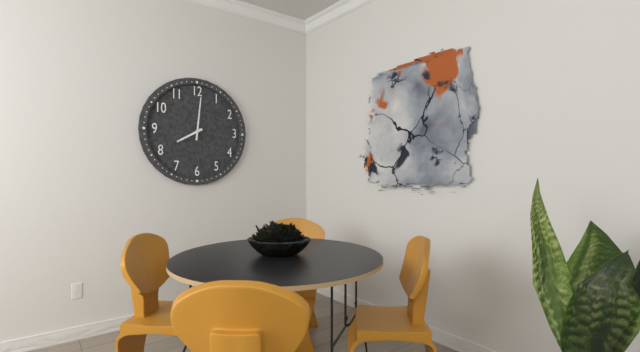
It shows 8h01
